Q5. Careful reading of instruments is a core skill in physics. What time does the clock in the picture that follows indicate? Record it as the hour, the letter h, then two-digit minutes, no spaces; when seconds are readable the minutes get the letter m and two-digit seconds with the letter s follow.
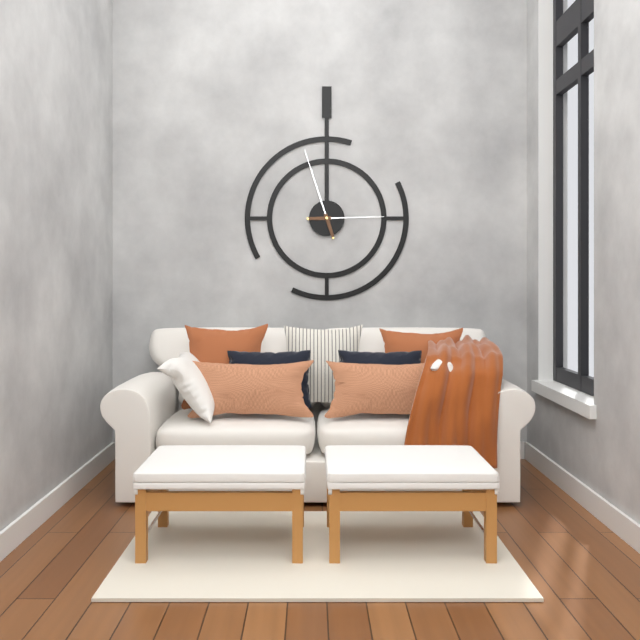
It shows 2h57
